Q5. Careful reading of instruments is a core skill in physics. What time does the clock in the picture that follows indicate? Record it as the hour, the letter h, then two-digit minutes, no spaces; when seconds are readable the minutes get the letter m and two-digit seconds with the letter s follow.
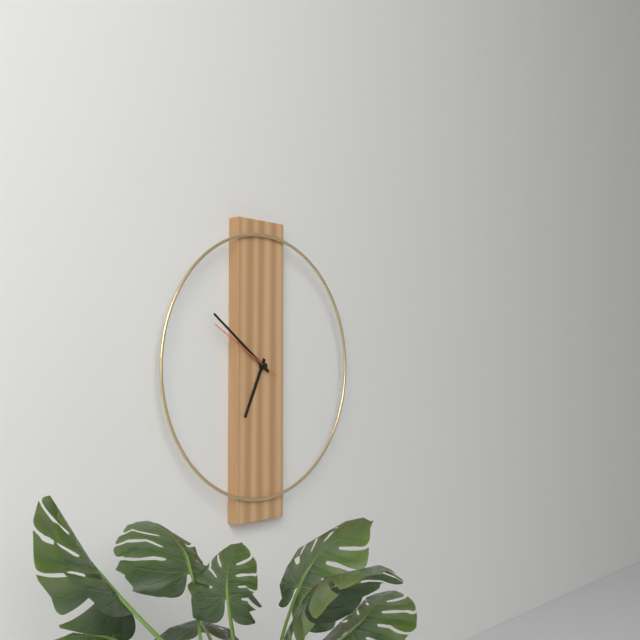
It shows 6h51m50s
